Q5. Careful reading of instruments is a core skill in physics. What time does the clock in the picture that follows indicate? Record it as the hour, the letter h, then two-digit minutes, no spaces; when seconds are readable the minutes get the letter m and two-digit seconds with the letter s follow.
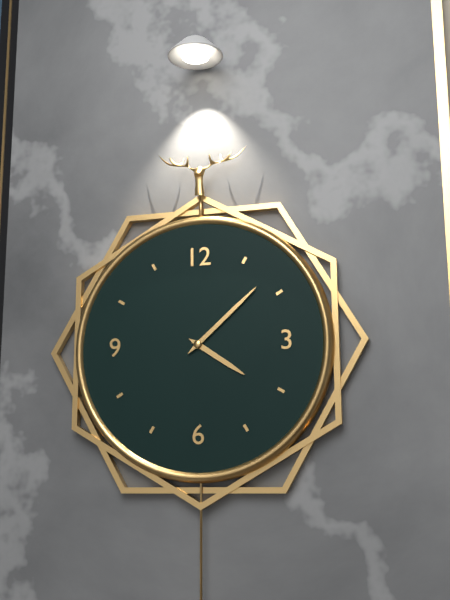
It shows 4h08
